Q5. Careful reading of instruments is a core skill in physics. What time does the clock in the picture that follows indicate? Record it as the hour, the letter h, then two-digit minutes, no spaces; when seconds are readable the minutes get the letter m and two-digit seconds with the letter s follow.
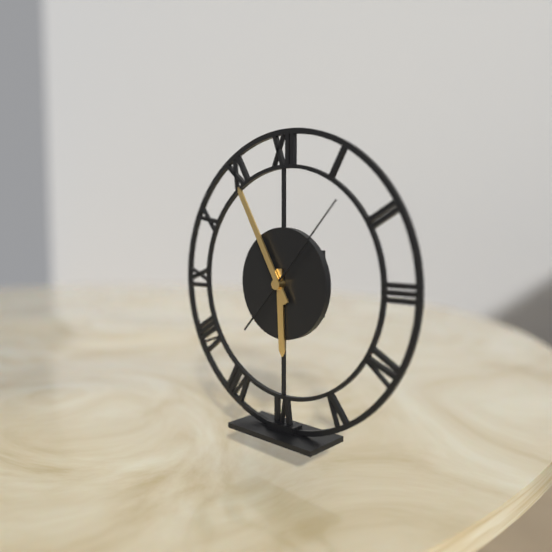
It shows 5h55m07s
